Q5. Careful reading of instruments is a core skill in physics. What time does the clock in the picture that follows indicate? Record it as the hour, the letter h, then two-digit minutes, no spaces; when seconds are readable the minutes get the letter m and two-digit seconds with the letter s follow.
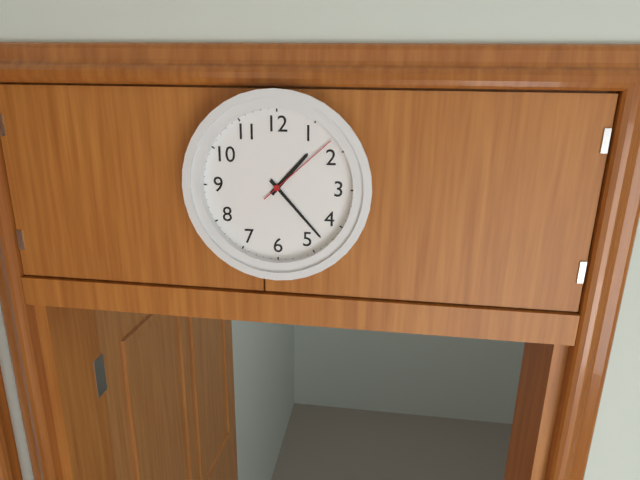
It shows 1h23m08s
